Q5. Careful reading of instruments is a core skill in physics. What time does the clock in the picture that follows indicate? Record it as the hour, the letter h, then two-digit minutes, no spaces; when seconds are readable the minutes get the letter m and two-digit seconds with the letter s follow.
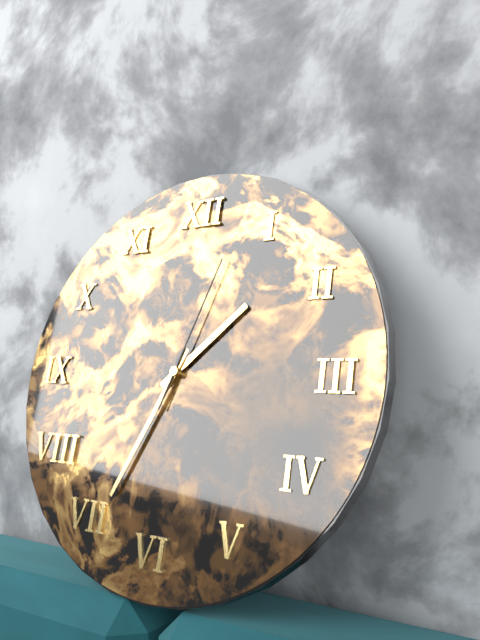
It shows 1h34m03s
